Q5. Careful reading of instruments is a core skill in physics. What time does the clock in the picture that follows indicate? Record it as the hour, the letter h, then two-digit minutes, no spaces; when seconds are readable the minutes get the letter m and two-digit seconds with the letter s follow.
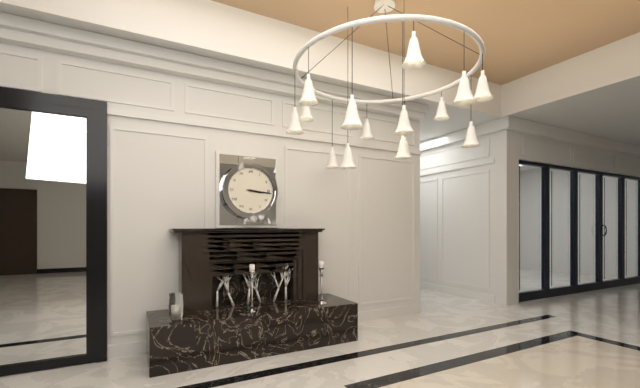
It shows 3h16
